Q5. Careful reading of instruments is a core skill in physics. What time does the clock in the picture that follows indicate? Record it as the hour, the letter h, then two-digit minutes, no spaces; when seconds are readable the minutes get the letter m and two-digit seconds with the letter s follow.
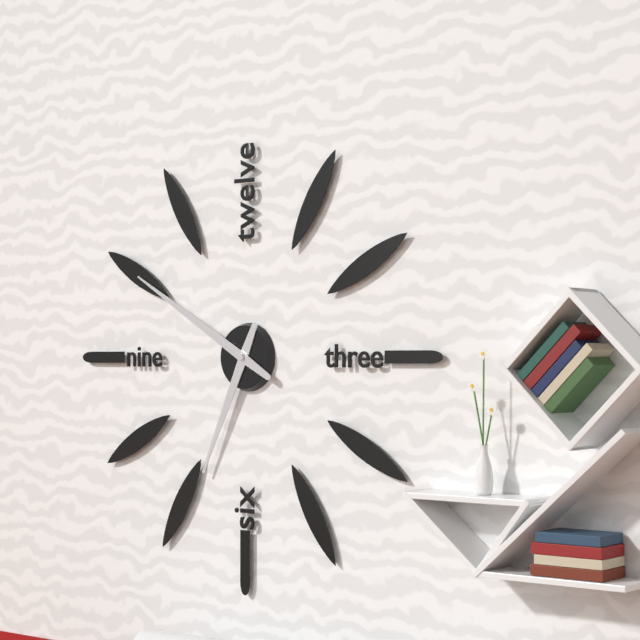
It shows 6h50
